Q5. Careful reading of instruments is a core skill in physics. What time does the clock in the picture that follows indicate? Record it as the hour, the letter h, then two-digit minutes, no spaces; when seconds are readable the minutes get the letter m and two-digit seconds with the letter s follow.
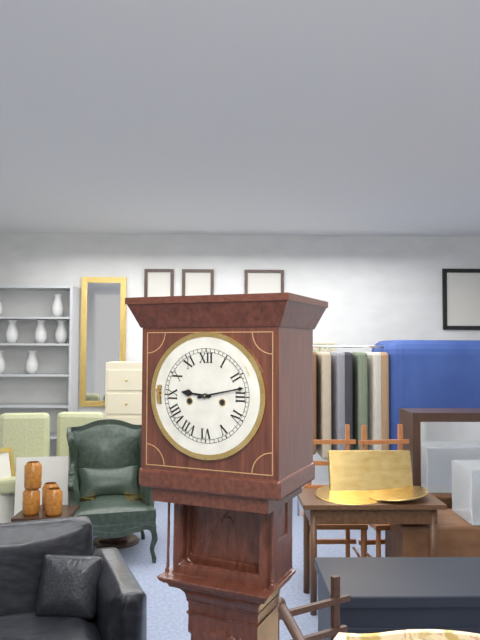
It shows 9h13
